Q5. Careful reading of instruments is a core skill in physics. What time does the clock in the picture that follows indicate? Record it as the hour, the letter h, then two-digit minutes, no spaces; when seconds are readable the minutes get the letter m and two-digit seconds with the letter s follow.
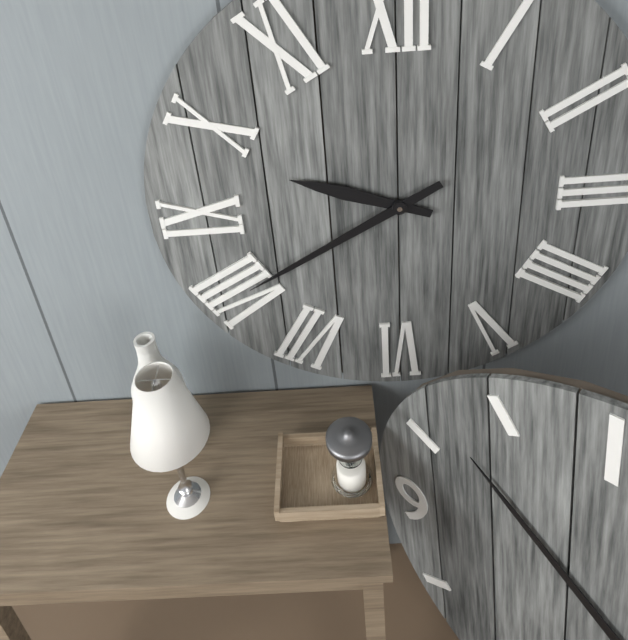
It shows 9h40
